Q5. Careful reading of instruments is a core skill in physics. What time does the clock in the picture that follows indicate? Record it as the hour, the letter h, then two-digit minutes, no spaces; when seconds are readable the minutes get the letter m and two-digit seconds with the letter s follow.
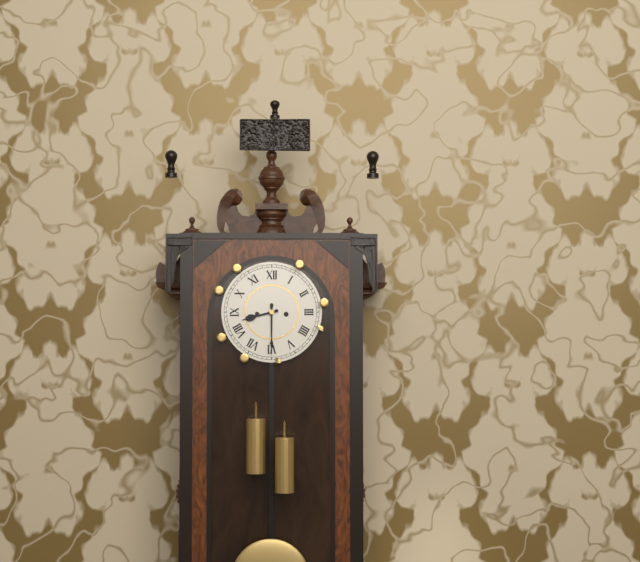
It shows 8h30
